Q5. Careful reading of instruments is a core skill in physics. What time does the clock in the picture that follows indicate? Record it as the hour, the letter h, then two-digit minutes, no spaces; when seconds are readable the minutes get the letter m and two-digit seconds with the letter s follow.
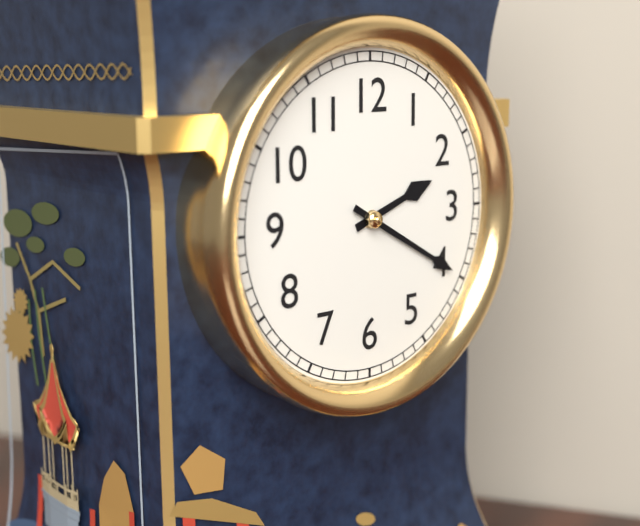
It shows 2h20
